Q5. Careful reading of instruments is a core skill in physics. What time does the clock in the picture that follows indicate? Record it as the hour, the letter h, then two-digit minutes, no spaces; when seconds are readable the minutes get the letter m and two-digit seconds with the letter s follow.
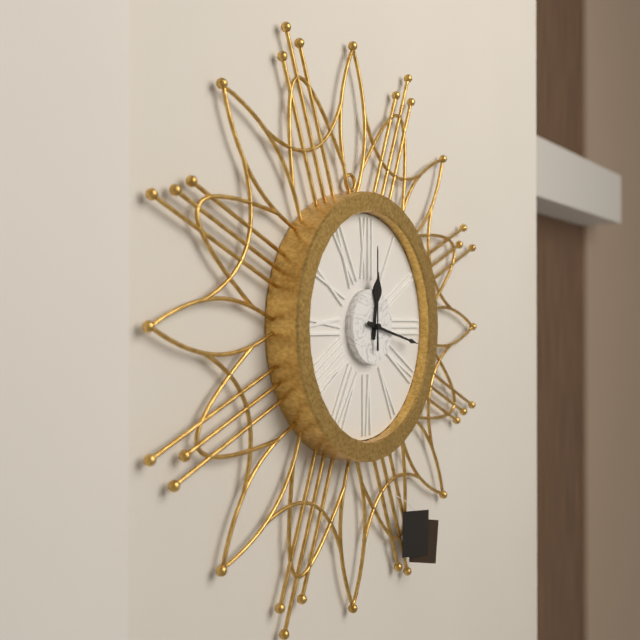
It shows 12h17m00s
